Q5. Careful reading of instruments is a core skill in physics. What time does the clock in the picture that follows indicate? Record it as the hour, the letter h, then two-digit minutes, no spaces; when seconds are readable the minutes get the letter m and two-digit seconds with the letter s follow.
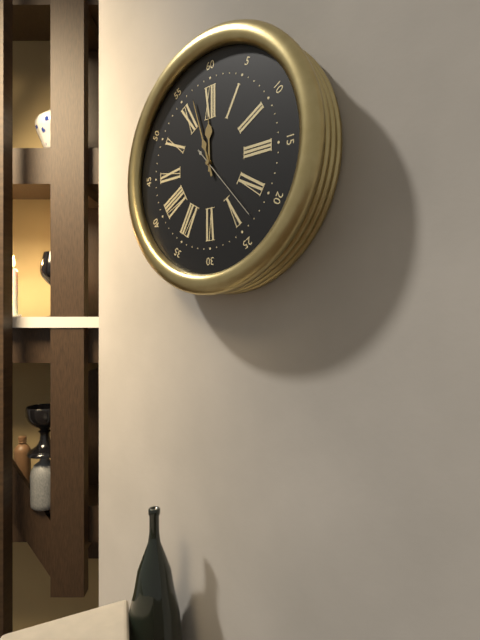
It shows 11h57m23s
